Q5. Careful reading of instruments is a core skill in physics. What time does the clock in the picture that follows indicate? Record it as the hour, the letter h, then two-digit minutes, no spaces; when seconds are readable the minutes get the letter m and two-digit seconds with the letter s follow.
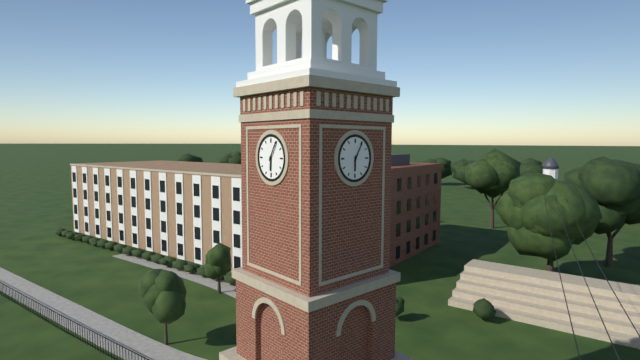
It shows 6h05
